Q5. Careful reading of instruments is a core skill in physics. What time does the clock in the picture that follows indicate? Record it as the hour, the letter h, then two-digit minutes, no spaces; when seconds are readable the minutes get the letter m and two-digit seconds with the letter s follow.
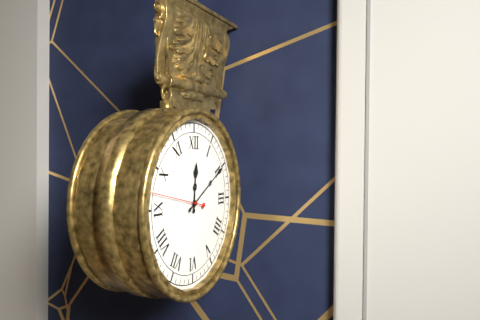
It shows 12h10m47s
